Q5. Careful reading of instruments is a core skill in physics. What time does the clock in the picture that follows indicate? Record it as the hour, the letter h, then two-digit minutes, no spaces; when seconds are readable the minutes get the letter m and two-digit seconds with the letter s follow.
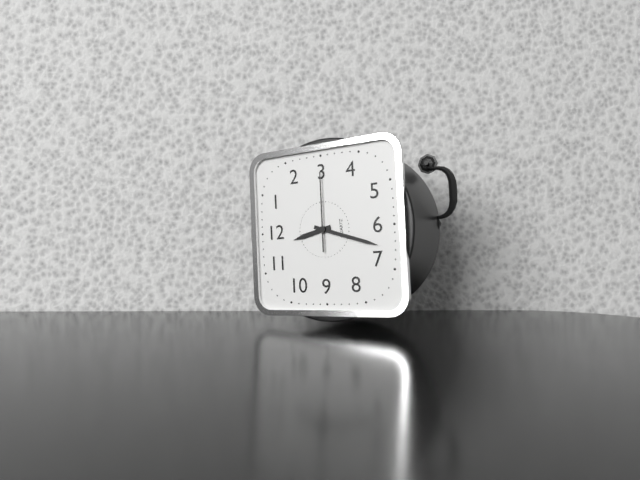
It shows 11h33m15s
